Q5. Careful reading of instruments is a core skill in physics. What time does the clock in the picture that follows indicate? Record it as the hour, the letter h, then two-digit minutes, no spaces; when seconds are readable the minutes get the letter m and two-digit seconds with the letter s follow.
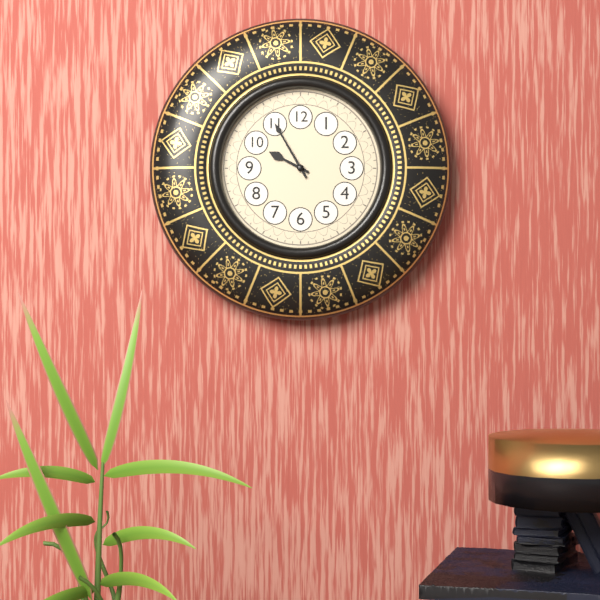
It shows 9h55
